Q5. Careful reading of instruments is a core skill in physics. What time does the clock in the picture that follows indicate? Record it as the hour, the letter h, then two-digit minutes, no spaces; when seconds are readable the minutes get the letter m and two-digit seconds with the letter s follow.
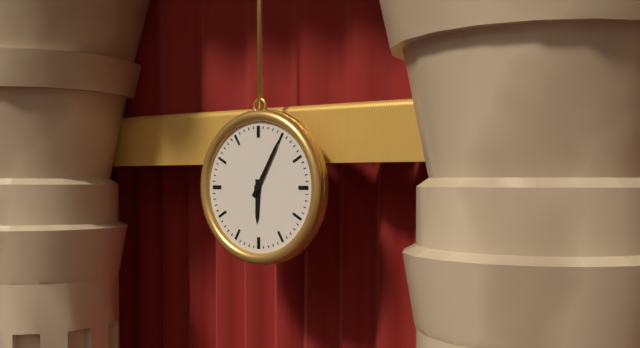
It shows 6h05
